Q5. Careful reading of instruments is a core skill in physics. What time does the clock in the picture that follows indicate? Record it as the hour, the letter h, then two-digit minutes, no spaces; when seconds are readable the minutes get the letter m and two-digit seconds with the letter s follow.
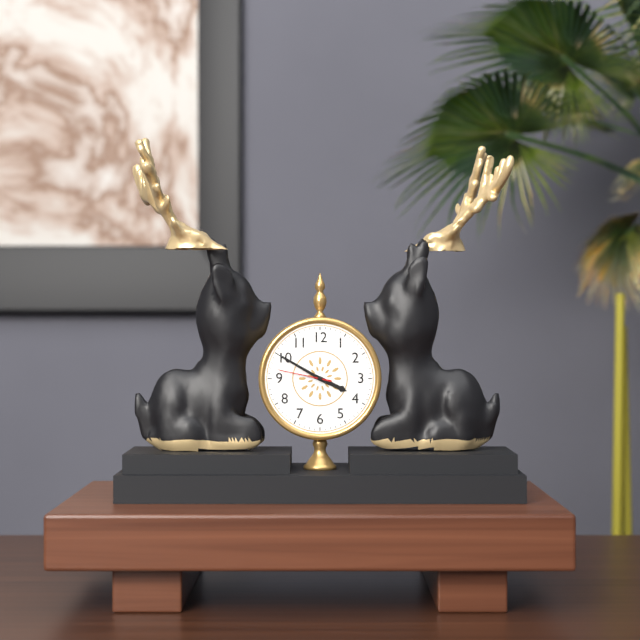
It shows 3h50m47s
